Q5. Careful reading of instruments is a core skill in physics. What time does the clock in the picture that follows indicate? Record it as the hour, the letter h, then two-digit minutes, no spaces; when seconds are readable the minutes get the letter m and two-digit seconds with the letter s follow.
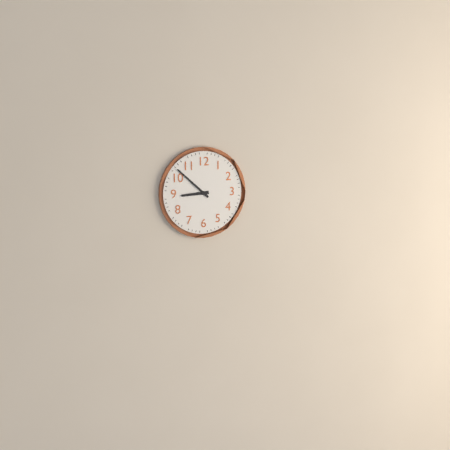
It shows 8h52
